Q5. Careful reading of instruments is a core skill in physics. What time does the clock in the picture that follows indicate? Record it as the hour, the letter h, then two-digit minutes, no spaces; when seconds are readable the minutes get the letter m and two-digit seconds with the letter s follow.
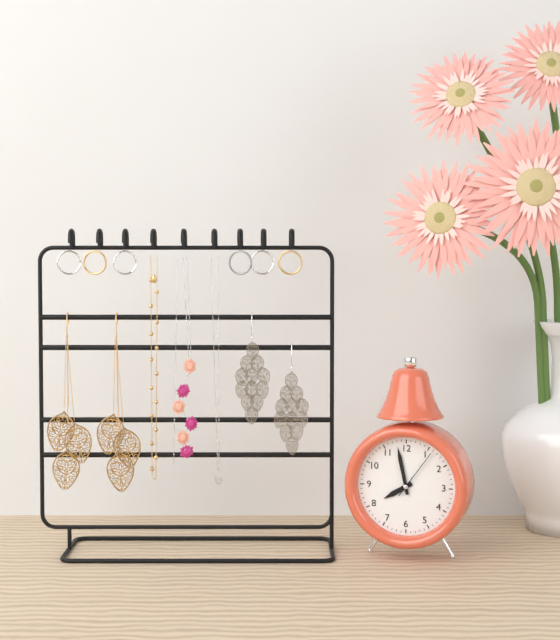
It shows 7h58m06s
